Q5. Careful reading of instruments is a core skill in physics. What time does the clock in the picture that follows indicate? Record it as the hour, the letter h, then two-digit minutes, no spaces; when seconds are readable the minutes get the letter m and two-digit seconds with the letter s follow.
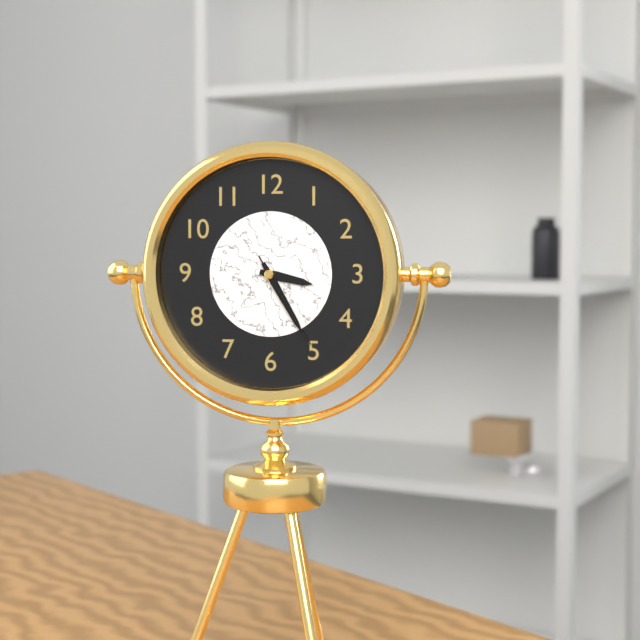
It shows 3h25m25s
